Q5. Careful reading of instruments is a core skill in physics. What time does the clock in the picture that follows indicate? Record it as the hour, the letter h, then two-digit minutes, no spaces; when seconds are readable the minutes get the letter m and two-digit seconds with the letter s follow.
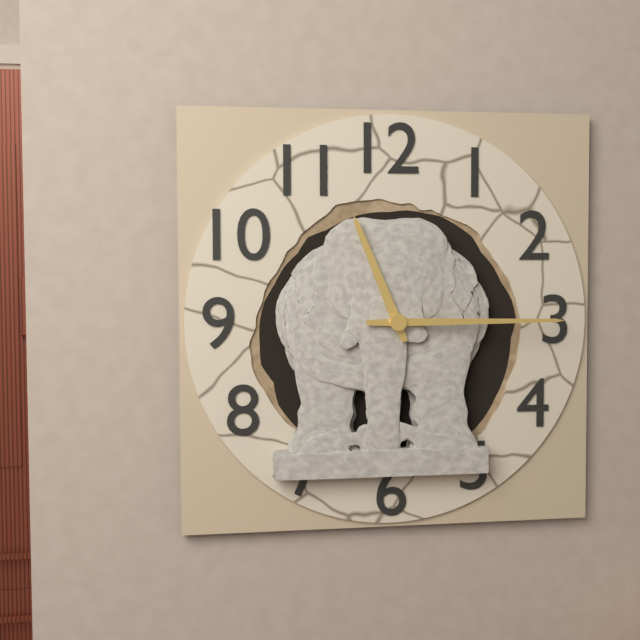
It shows 11h15
